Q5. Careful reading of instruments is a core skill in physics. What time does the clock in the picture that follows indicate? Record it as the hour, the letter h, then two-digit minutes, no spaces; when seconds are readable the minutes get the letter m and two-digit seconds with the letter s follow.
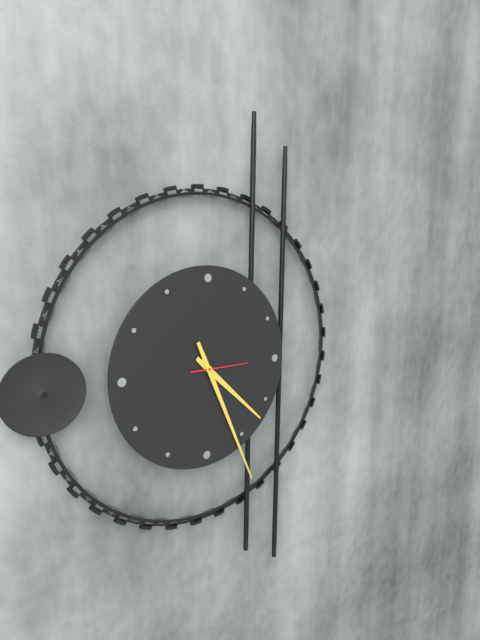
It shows 4h26
